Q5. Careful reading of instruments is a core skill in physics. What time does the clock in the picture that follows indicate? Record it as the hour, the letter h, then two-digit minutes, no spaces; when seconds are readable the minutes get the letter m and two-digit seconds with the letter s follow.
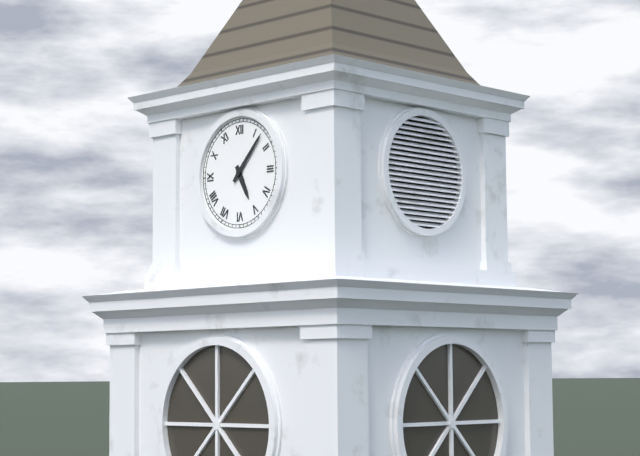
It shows 5h07
